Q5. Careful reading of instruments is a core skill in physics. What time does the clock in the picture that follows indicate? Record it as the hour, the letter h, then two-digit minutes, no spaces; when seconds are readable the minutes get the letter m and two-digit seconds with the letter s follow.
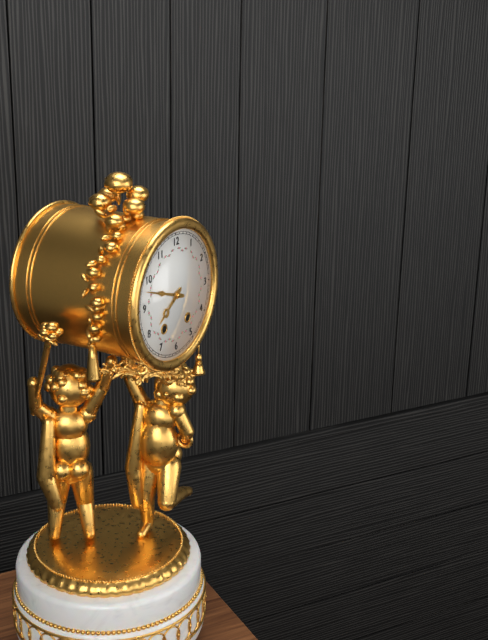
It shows 7h48
